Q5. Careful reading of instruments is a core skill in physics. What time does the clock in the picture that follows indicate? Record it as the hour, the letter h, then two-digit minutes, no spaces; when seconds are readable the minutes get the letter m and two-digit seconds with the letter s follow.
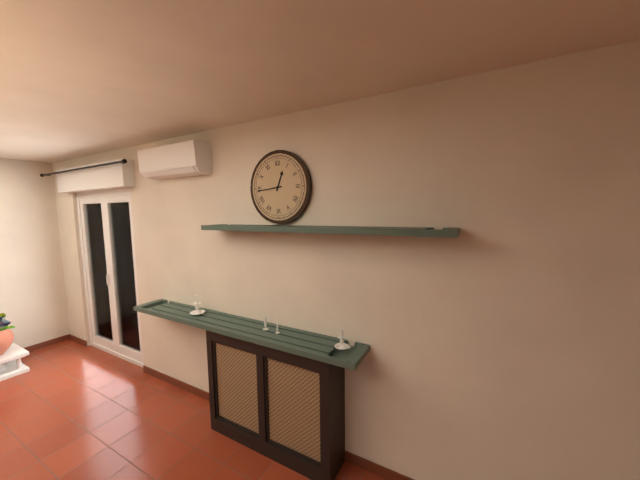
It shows 12h44
